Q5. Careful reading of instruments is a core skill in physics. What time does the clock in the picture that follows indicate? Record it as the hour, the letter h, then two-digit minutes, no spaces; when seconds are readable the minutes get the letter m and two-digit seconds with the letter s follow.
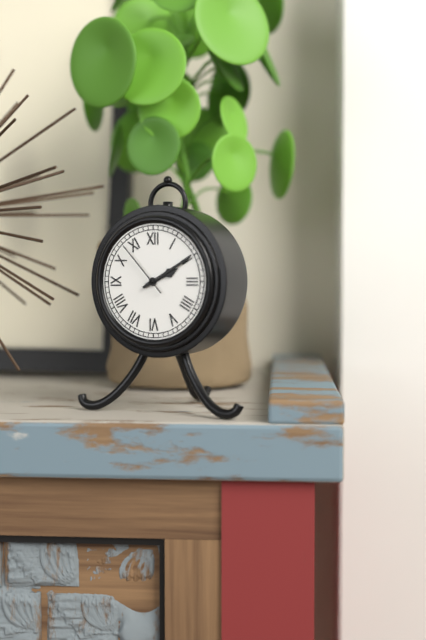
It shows 2h10m53s
